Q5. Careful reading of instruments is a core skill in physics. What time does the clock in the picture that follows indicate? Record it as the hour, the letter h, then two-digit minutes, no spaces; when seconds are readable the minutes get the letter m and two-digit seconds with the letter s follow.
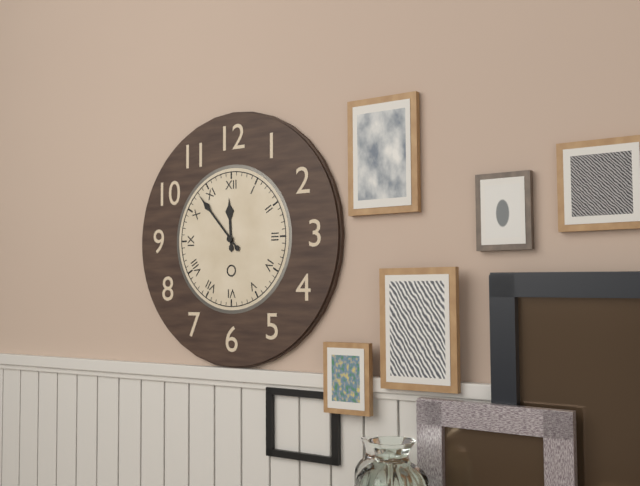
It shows 11h53
